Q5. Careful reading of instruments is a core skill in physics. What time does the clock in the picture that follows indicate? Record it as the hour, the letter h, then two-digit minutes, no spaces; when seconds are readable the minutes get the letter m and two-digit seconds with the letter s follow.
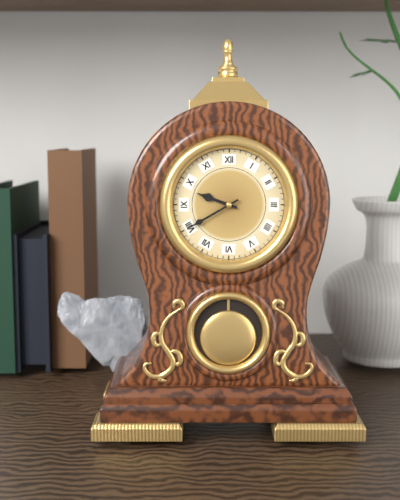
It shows 9h40
